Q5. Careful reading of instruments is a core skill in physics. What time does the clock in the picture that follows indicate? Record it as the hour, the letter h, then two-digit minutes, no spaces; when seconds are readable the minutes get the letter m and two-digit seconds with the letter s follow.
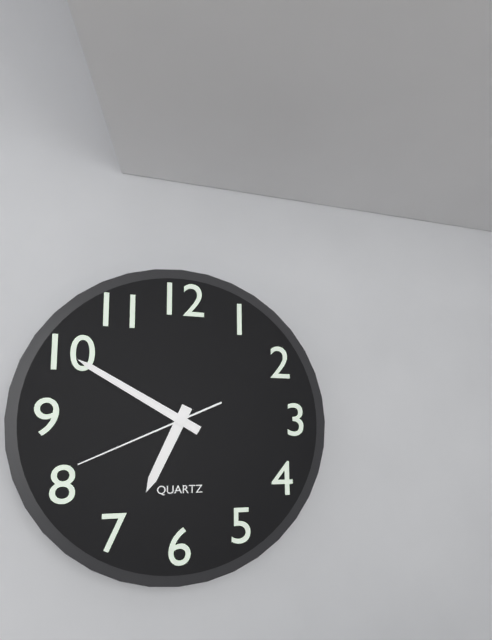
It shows 6h50m41s
